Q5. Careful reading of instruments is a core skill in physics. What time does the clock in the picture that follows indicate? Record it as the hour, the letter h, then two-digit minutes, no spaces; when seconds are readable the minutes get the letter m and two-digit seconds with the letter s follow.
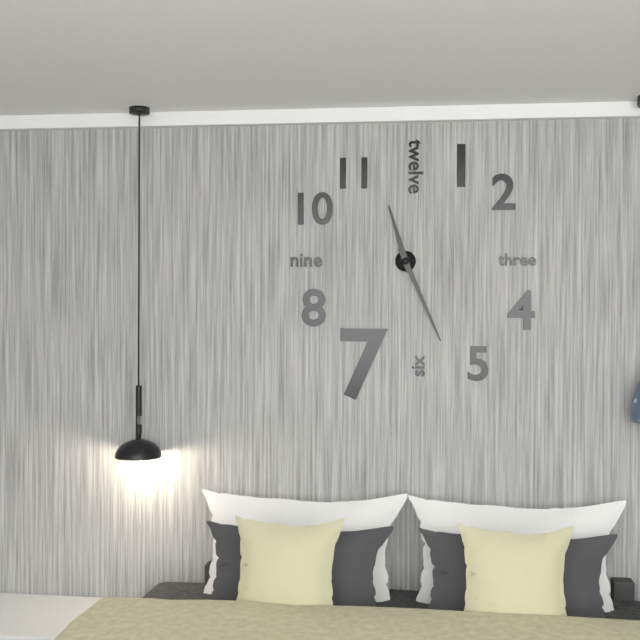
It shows 11h26
